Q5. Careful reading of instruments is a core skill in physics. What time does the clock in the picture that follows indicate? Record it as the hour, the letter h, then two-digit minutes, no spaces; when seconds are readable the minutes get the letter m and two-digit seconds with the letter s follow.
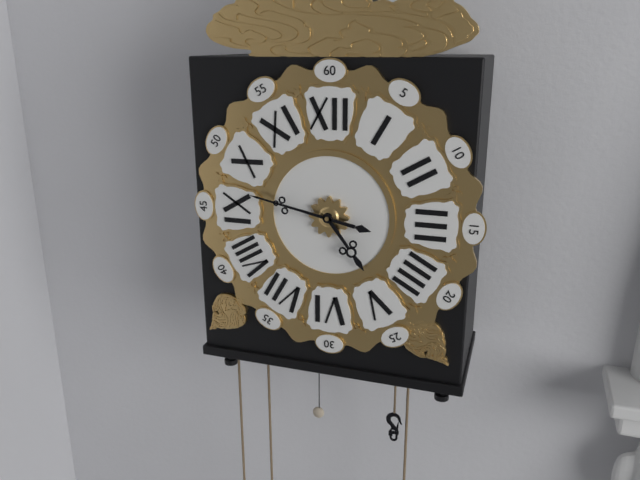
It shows 4h47
